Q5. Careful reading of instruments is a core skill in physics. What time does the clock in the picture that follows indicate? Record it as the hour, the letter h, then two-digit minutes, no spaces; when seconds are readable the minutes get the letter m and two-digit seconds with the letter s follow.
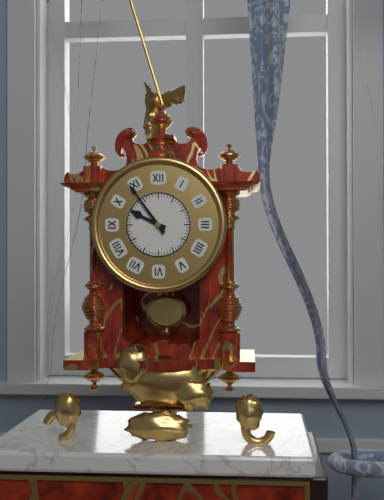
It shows 9h54
